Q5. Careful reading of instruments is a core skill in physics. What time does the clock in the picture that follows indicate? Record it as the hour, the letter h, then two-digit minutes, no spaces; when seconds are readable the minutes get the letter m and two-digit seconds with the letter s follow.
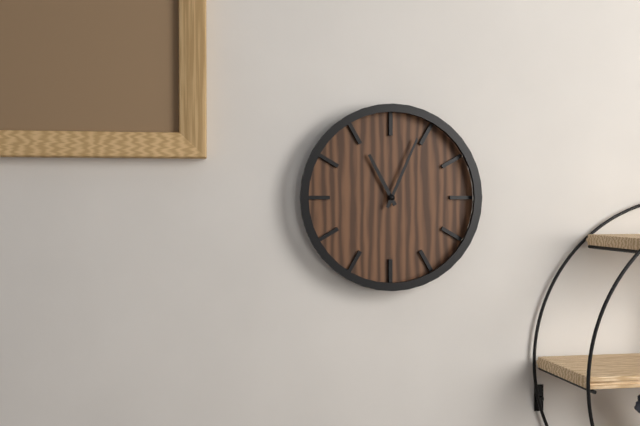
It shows 11h04
